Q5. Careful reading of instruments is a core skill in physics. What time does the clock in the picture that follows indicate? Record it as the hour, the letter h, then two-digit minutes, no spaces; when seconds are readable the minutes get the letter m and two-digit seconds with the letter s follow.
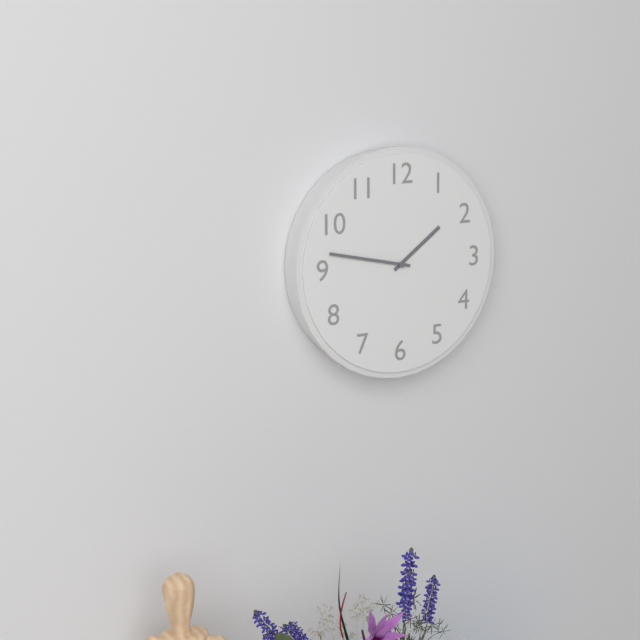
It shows 1h47
